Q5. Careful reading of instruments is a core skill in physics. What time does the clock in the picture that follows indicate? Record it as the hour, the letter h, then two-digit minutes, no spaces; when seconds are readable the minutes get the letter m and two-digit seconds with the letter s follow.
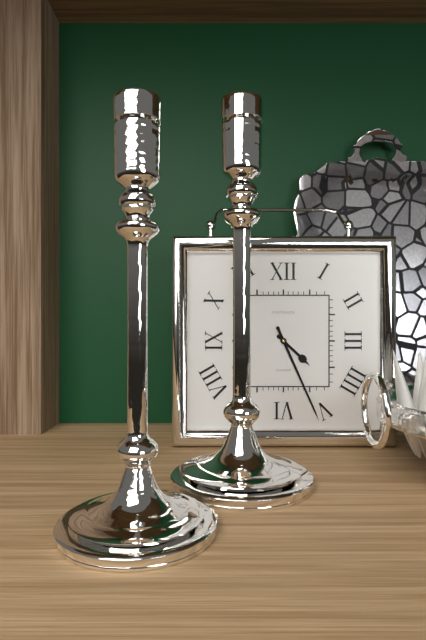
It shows 4h26
